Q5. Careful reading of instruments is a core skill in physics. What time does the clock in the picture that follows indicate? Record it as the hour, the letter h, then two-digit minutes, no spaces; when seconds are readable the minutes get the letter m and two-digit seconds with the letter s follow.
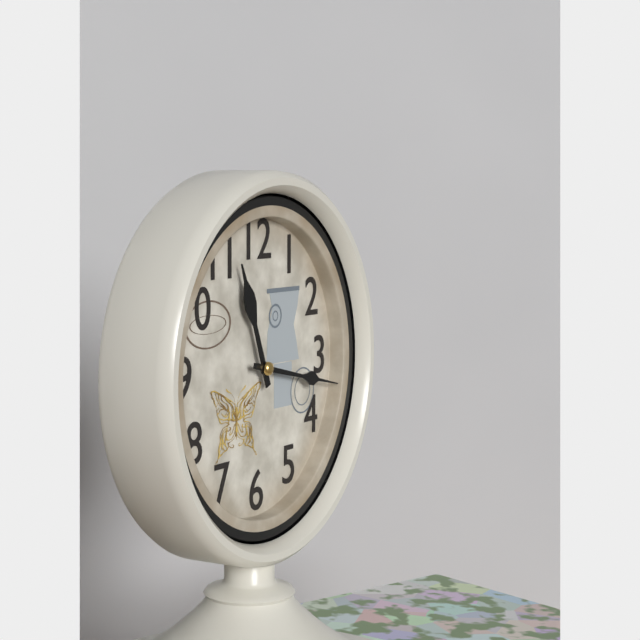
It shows 11h17
